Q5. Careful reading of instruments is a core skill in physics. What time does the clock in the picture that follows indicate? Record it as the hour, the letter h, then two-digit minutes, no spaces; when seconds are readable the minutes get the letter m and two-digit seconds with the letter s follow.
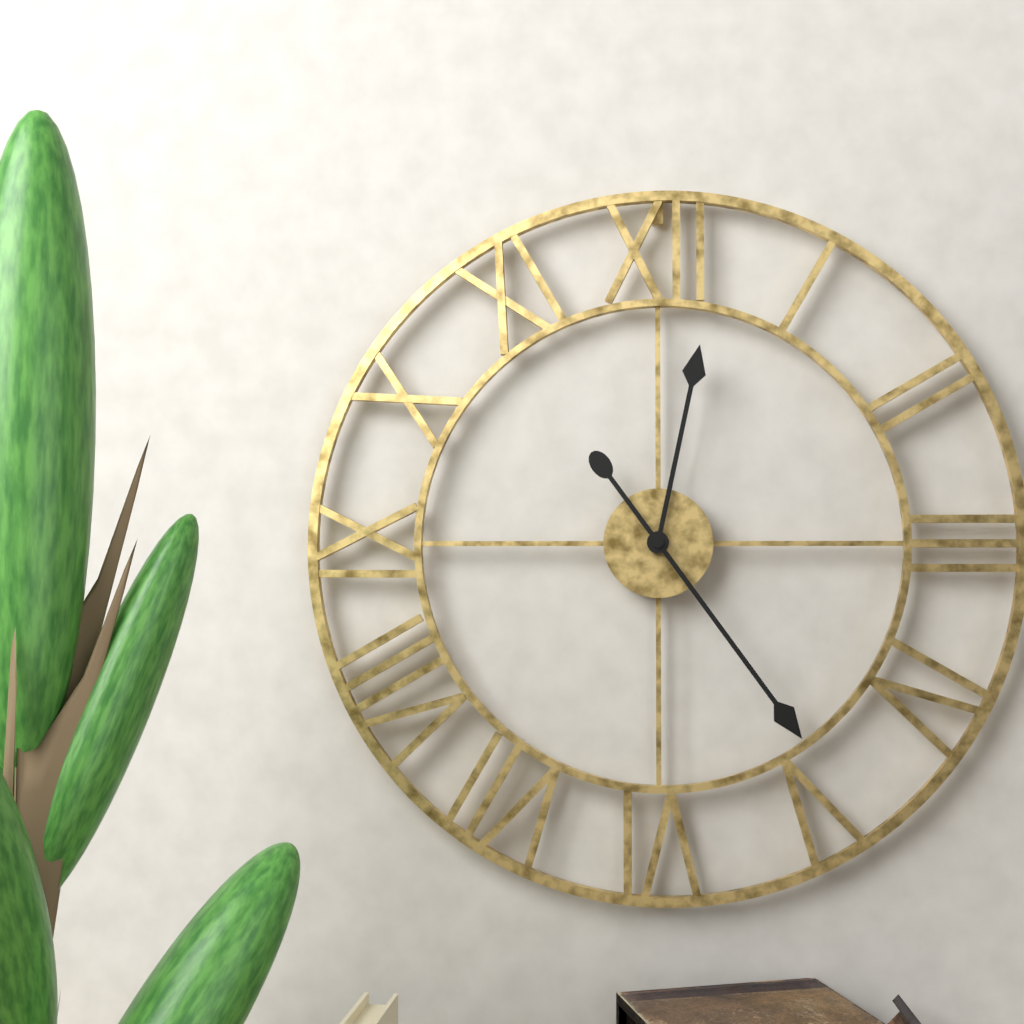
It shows 12h24
